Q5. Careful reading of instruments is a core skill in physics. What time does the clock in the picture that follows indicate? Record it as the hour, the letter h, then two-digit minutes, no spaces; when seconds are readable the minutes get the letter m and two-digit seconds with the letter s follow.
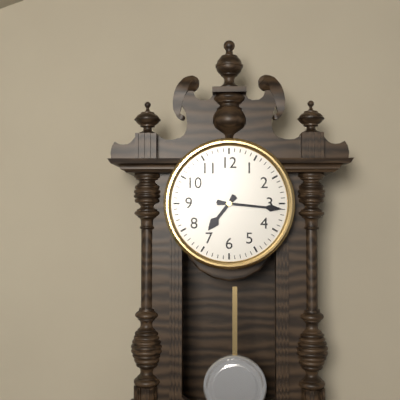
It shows 7h16
